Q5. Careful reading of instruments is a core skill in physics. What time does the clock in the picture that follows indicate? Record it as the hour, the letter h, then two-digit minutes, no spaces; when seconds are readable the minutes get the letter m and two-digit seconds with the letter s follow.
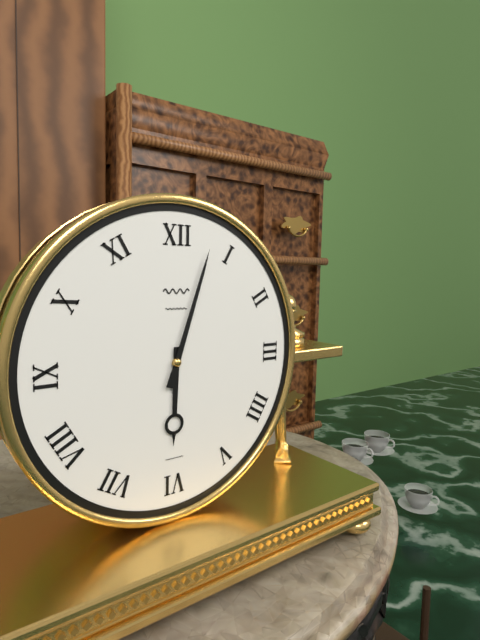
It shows 6h03
